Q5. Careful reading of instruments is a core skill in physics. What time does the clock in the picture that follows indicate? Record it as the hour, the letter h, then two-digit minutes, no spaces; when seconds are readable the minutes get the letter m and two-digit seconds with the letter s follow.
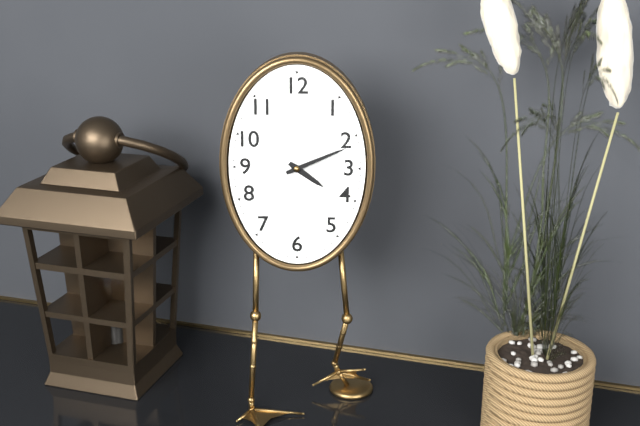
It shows 4h11
